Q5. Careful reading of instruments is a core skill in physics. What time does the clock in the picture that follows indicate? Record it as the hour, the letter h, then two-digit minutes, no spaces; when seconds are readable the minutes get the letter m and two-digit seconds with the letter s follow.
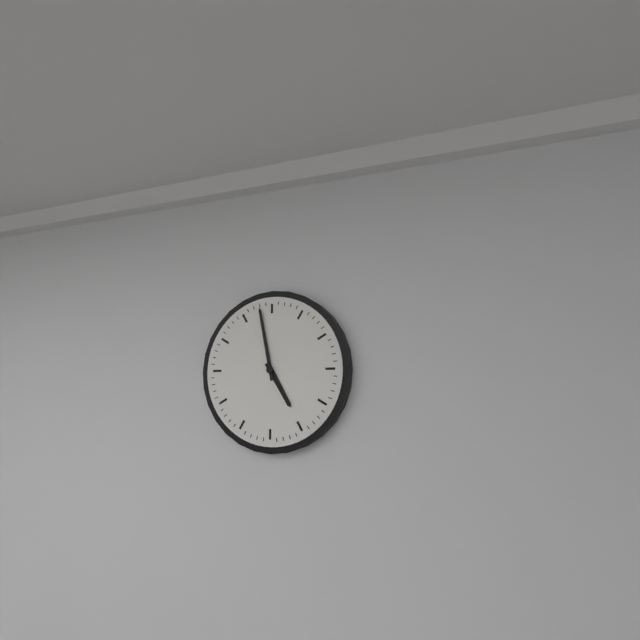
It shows 4h58
